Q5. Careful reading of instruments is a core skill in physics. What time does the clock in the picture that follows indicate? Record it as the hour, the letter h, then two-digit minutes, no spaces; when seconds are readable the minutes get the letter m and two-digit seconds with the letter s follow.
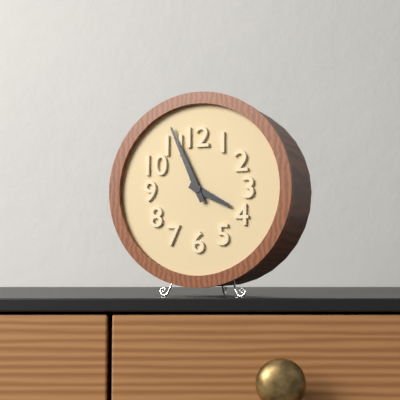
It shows 3h56
